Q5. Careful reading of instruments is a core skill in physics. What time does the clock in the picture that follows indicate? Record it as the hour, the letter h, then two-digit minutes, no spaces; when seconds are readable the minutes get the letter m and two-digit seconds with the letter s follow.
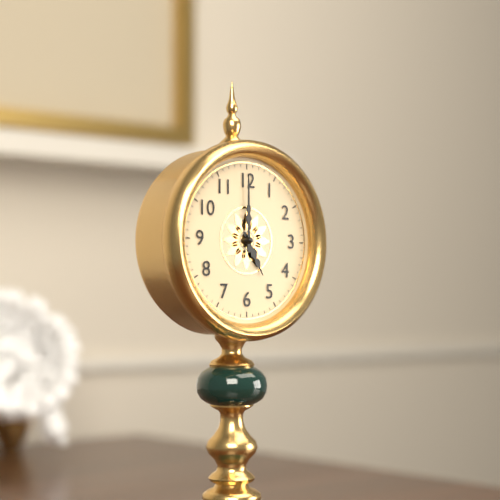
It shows 5h00
